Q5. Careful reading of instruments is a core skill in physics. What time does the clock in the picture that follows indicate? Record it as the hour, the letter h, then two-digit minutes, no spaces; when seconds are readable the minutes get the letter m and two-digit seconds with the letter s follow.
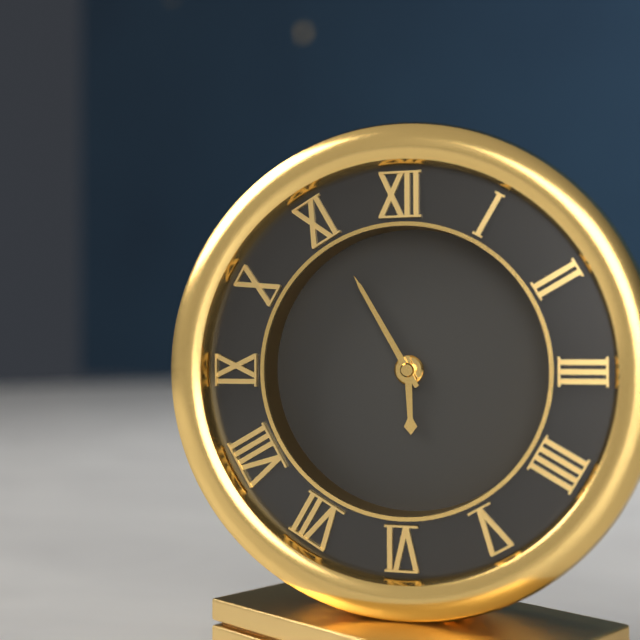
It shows 5h55
